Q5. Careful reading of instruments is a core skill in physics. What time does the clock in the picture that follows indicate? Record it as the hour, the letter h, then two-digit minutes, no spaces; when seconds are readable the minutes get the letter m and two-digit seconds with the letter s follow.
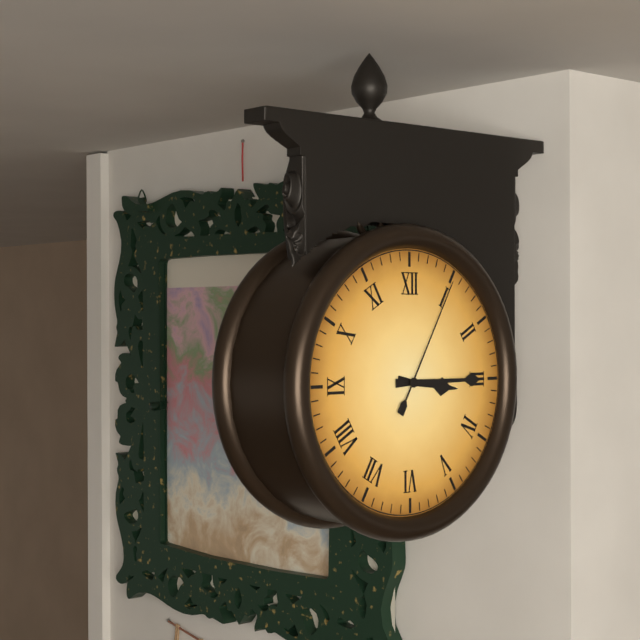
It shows 3h15m05s
